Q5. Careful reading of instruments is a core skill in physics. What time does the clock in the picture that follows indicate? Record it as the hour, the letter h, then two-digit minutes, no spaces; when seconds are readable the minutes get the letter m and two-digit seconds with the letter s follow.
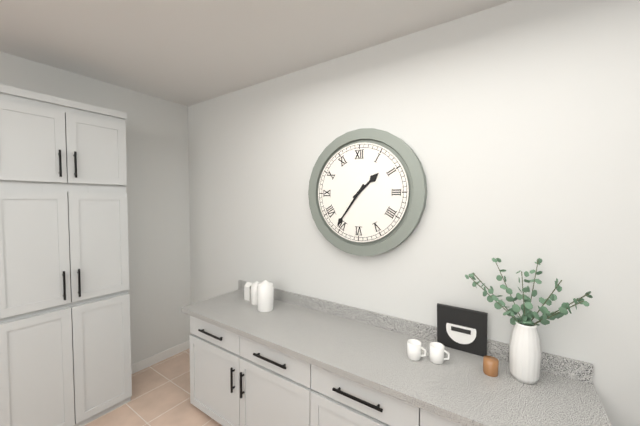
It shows 1h36
